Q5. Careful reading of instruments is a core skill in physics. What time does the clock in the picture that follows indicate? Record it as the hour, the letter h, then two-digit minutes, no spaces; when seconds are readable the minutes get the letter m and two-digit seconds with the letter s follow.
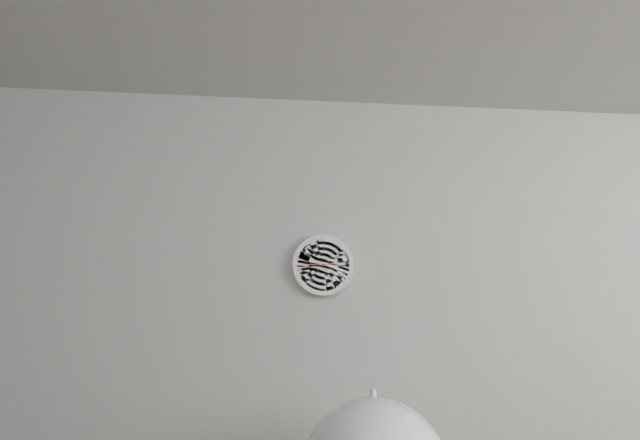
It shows 2h45
